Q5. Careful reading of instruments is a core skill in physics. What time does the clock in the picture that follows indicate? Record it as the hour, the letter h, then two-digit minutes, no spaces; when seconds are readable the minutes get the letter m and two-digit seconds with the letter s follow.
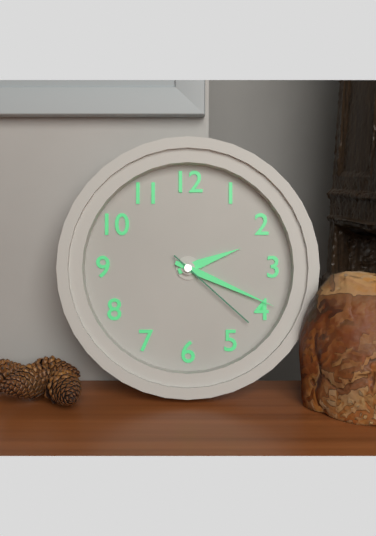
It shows 2h19m22s
